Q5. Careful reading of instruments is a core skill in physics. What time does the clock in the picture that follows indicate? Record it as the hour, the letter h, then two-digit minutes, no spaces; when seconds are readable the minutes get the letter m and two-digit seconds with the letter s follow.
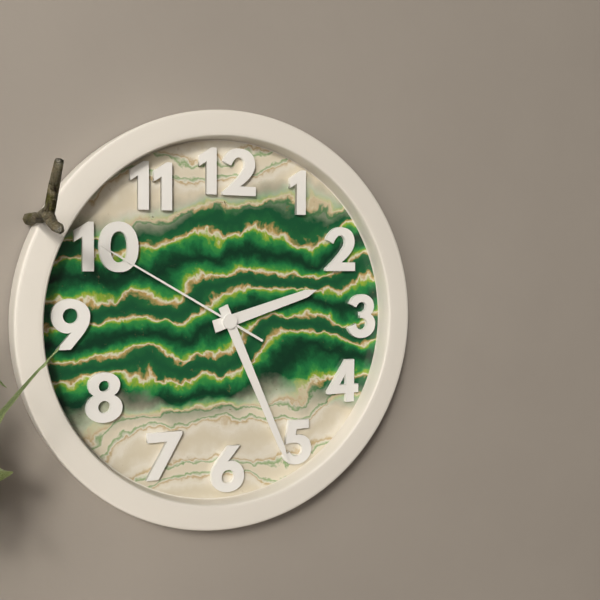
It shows 2h26m50s
